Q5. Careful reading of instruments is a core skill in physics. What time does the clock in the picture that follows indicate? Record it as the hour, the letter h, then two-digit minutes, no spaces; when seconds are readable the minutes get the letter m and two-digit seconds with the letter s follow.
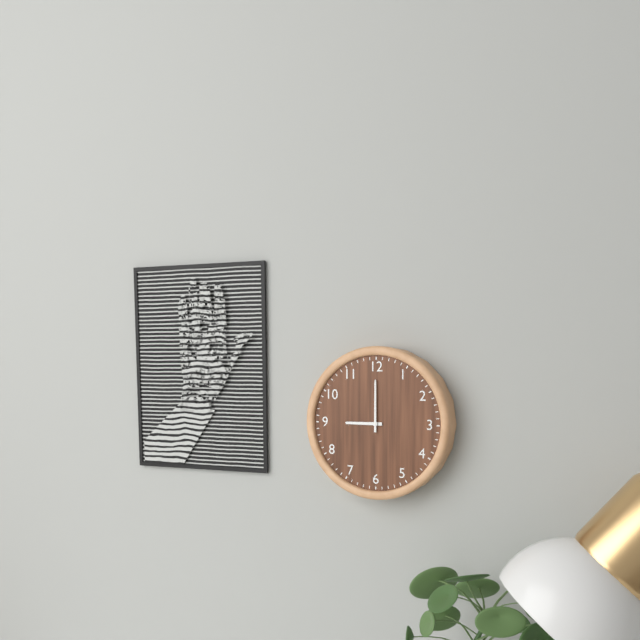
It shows 9h00
